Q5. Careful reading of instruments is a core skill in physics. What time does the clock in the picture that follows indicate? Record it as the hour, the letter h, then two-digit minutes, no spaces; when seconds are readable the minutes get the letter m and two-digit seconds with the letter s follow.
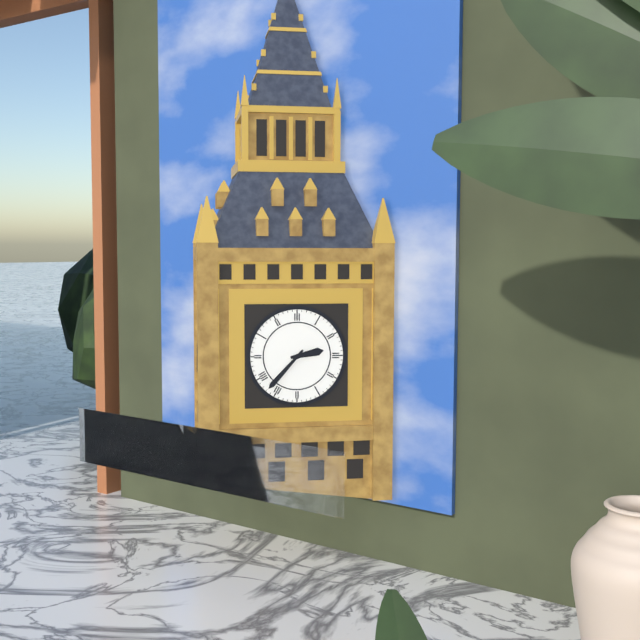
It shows 2h37
